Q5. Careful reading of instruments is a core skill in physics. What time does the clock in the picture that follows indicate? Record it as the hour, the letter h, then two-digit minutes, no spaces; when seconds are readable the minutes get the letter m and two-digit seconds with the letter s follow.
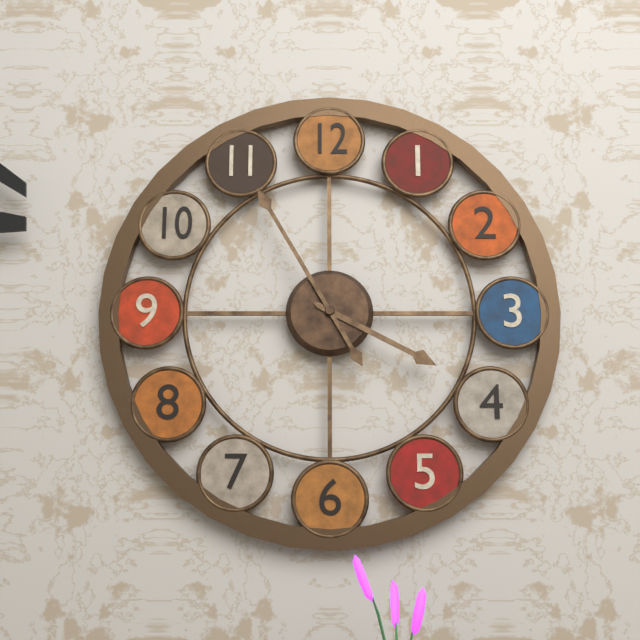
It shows 3h55
